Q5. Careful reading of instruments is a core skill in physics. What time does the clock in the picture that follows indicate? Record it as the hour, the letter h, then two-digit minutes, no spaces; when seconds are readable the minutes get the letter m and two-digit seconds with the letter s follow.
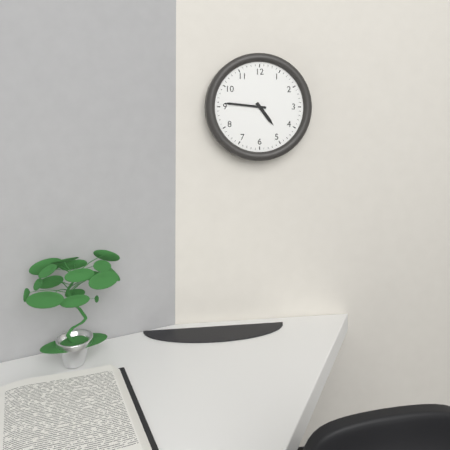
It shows 4h46
